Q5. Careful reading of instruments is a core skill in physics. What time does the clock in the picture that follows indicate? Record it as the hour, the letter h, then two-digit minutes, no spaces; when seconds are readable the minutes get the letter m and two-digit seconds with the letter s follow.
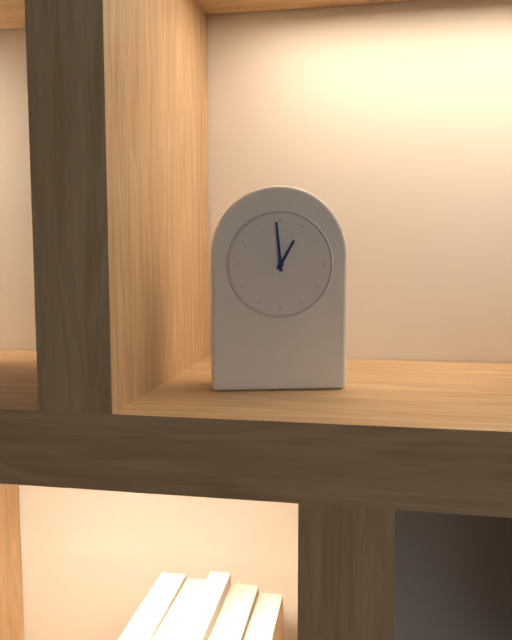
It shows 12h59
